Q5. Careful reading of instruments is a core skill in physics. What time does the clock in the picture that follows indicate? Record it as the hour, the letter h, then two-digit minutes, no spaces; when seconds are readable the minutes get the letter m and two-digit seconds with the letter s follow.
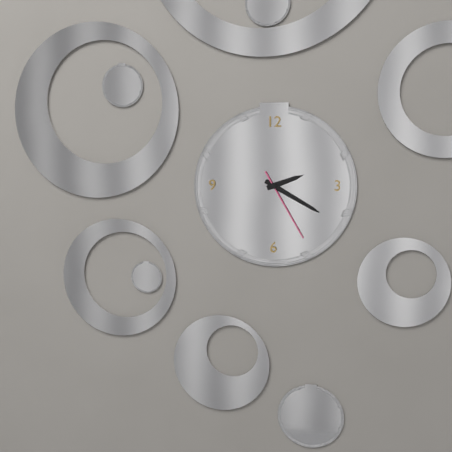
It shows 2h20m25s
